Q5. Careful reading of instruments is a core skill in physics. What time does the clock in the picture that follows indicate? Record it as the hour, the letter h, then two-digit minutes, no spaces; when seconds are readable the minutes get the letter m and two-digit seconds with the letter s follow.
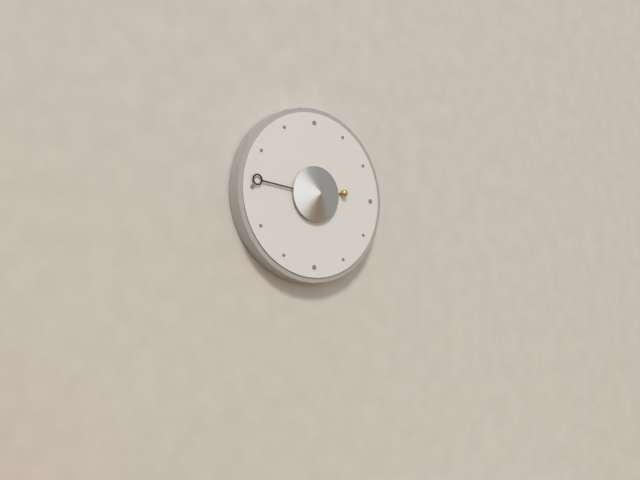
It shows 2h46
